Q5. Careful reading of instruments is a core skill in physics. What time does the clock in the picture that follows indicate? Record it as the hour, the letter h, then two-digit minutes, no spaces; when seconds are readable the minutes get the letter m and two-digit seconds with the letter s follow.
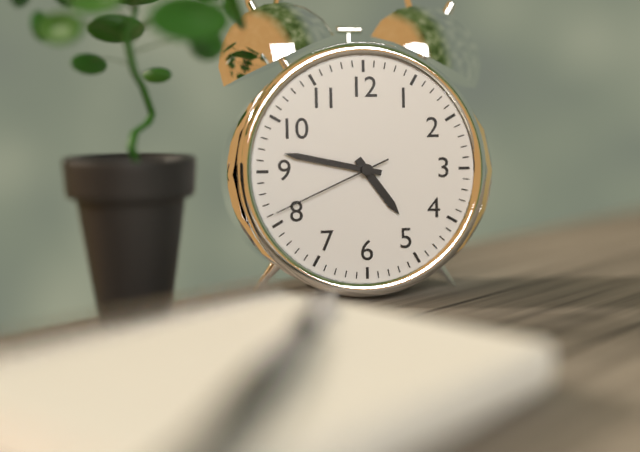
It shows 4h47m41s
